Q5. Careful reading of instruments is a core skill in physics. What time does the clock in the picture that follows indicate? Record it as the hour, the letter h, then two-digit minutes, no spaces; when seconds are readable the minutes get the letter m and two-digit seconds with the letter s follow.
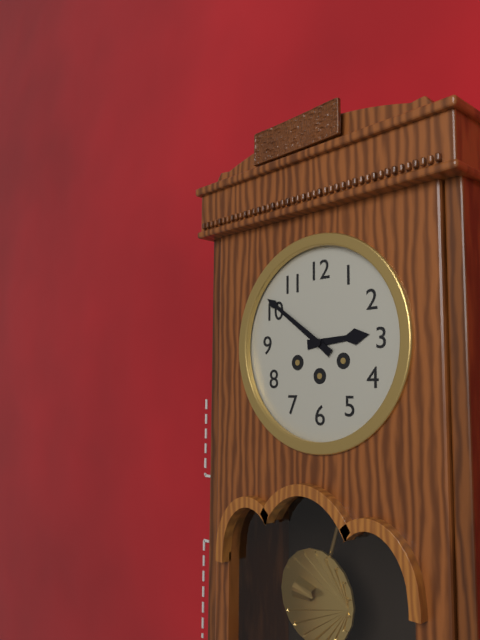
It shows 2h51
